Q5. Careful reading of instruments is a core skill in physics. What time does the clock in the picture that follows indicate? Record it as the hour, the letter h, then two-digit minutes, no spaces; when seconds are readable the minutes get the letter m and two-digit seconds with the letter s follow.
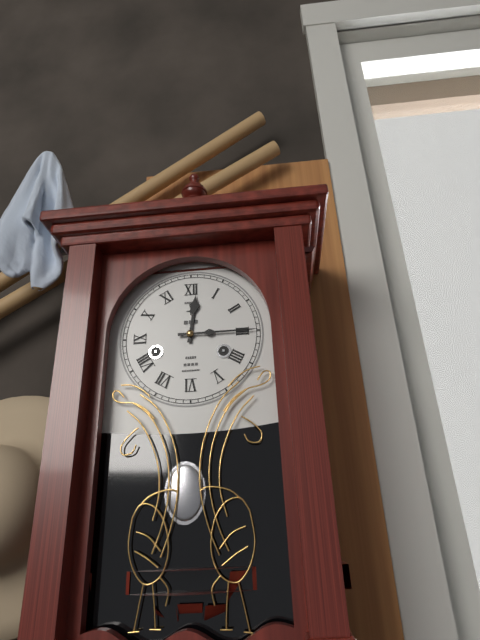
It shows 12h15
